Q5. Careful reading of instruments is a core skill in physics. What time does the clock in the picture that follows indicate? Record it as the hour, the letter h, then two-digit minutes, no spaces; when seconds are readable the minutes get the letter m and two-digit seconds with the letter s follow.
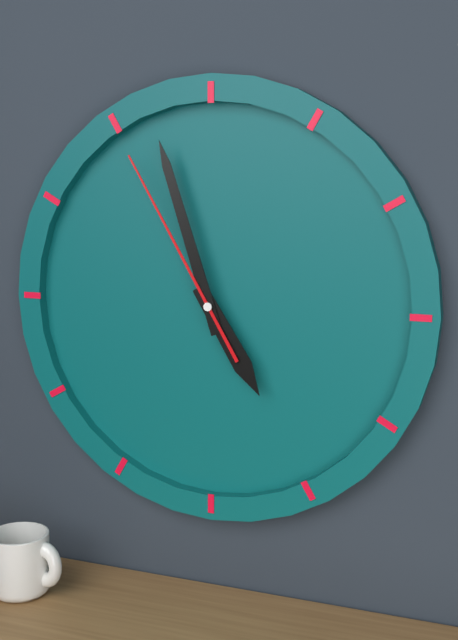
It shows 4h57m55s
